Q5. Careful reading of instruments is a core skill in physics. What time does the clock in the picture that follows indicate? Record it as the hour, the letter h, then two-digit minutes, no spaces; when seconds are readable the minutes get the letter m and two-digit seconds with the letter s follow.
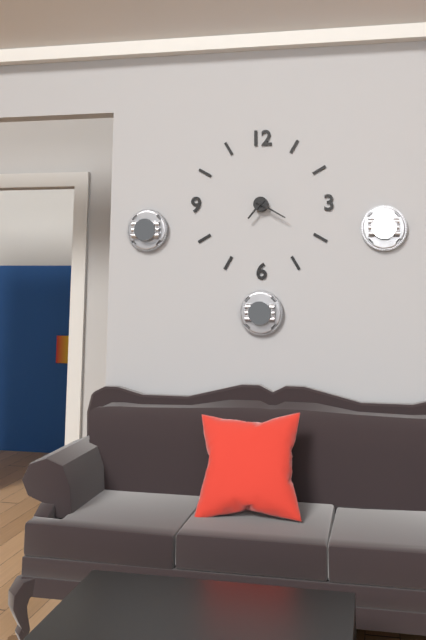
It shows 7h20
